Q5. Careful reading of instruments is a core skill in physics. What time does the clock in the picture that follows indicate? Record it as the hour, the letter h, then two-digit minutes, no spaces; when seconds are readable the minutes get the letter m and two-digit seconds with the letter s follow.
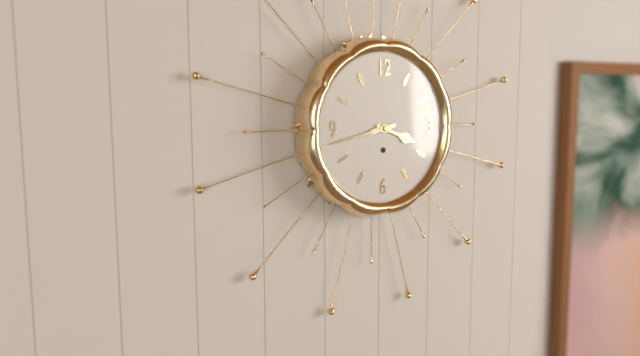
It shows 3h43
